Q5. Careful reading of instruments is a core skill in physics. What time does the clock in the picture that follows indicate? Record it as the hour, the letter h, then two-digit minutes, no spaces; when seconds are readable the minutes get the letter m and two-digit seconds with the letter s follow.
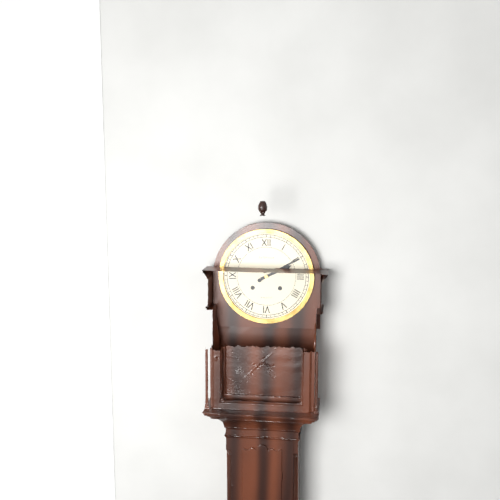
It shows 2h10
